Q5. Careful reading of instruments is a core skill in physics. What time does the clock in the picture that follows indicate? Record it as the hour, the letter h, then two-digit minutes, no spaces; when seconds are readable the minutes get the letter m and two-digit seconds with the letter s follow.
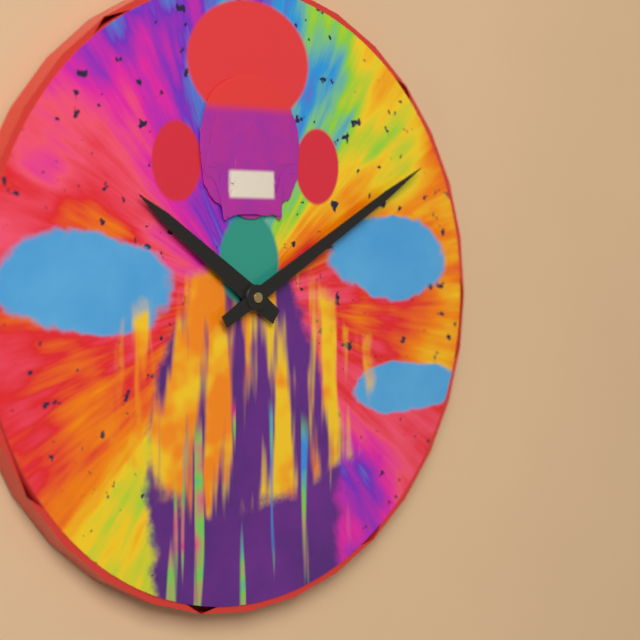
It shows 10h10
